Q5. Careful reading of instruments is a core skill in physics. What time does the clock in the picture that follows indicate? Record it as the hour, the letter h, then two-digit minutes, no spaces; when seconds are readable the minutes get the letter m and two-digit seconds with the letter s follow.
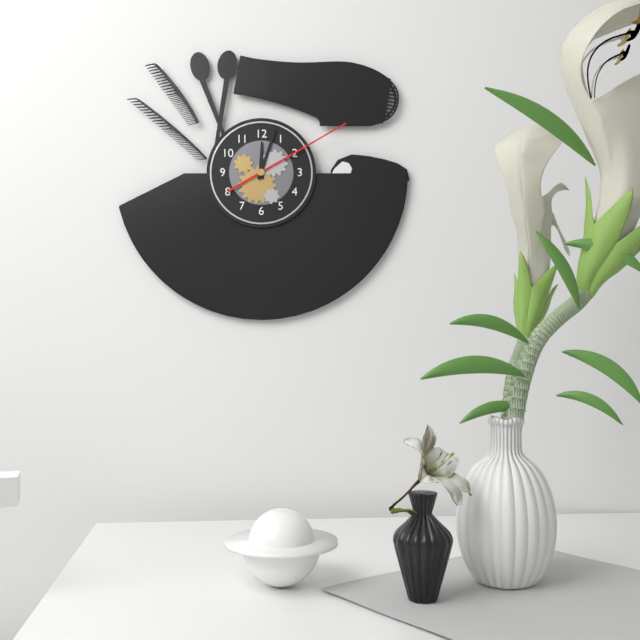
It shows 12h03m10s
